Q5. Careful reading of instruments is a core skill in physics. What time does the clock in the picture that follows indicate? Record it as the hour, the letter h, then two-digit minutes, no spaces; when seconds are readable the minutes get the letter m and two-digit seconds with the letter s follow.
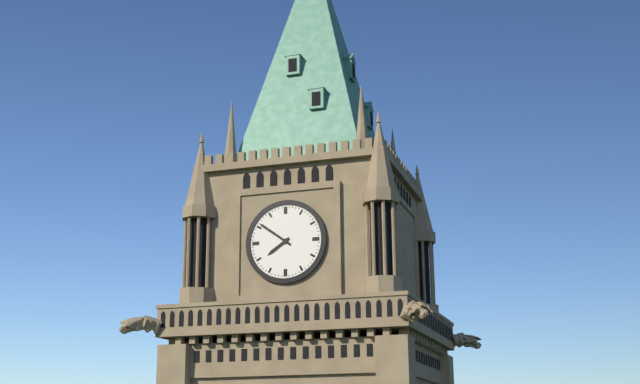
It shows 7h51
